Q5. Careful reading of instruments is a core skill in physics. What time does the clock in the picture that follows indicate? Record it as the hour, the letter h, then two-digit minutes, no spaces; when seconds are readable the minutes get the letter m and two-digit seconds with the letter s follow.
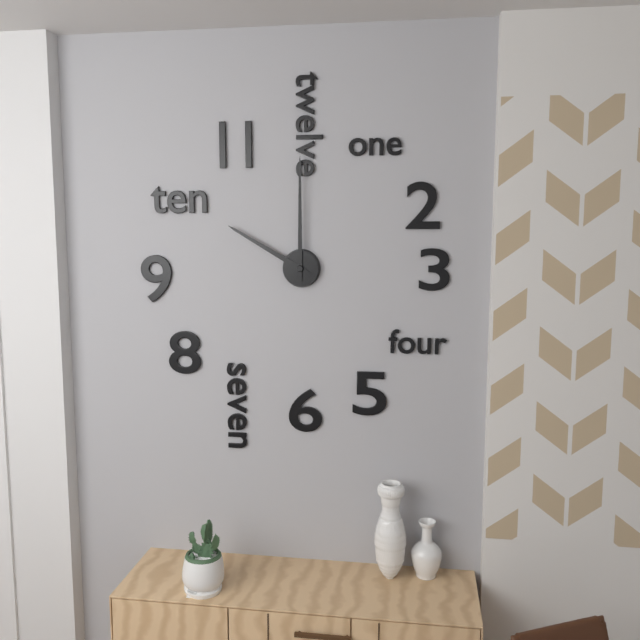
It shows 10h00
